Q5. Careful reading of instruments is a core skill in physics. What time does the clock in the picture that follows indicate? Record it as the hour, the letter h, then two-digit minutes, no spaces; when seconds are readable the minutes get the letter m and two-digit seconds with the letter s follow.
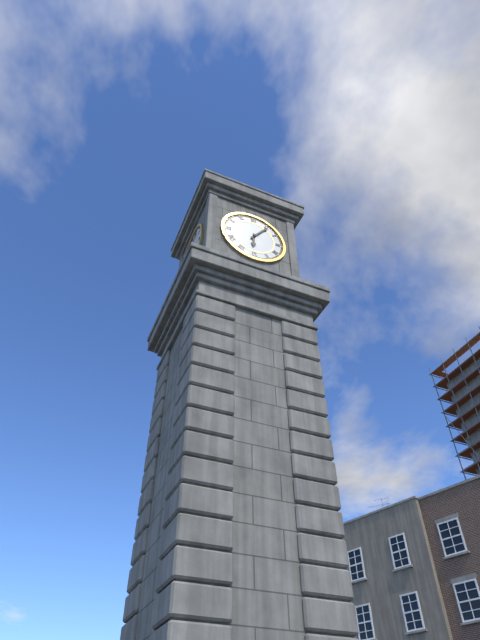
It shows 6h06
